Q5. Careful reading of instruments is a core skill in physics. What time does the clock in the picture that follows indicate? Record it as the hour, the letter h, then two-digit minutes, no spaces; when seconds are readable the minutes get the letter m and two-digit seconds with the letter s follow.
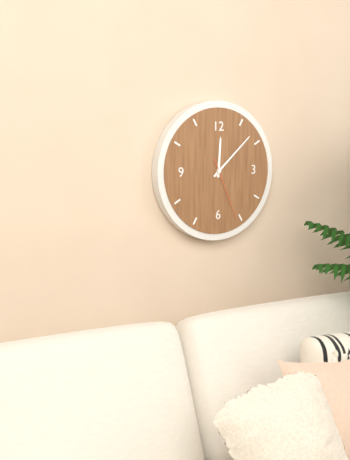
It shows 12h08m26s
